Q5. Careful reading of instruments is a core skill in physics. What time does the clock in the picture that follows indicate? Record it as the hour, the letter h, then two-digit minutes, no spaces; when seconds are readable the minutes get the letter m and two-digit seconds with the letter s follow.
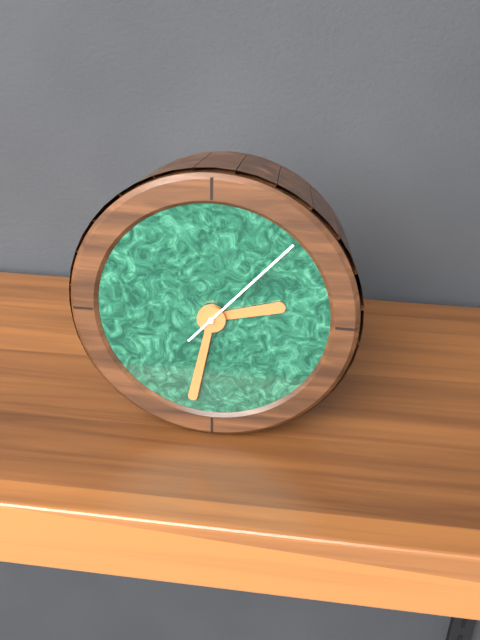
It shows 2h32m07s
